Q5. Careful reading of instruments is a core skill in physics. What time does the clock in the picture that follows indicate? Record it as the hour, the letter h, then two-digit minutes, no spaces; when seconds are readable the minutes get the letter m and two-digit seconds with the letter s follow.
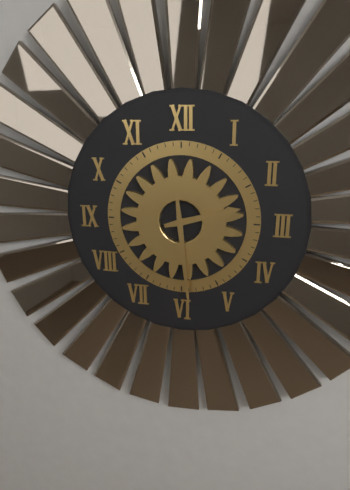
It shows 2h29
